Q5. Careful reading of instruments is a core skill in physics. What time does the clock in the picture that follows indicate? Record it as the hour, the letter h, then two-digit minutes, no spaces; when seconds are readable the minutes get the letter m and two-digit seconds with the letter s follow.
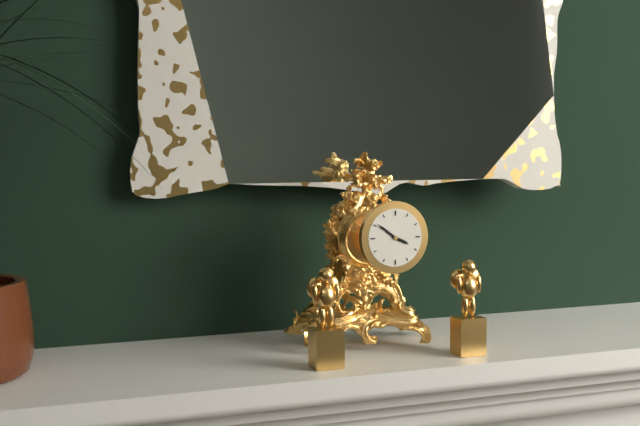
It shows 3h51
